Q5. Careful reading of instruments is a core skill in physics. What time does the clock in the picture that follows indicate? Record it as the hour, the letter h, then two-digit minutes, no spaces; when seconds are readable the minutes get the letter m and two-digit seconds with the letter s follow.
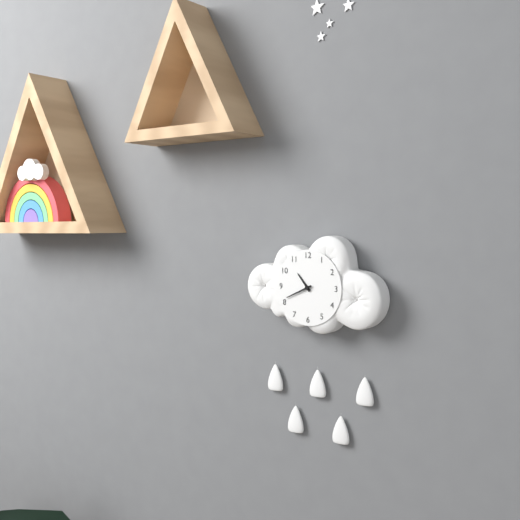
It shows 10h41
